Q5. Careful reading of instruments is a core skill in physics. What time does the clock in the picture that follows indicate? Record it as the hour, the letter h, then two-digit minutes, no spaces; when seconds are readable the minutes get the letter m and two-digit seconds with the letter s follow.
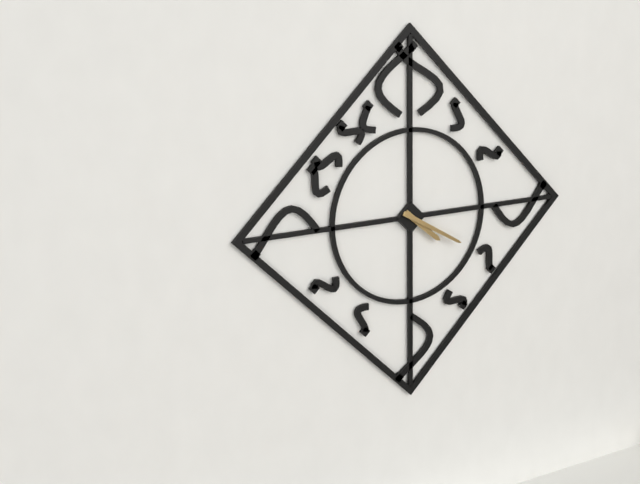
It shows 4h20
